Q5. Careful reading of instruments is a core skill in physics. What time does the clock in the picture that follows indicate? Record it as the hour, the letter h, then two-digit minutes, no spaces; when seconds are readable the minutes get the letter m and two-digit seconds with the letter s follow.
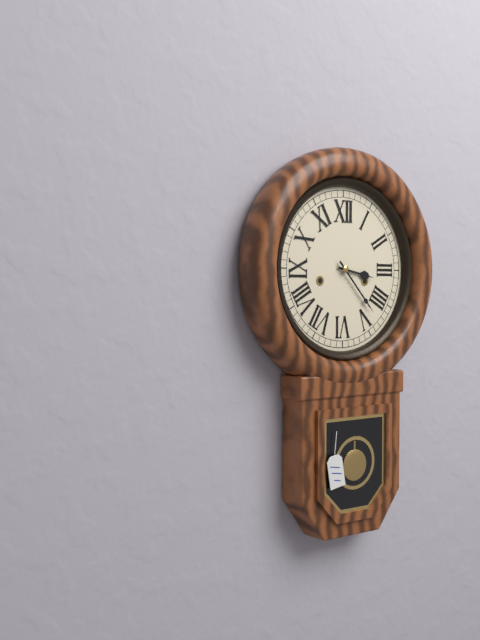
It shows 3h23
